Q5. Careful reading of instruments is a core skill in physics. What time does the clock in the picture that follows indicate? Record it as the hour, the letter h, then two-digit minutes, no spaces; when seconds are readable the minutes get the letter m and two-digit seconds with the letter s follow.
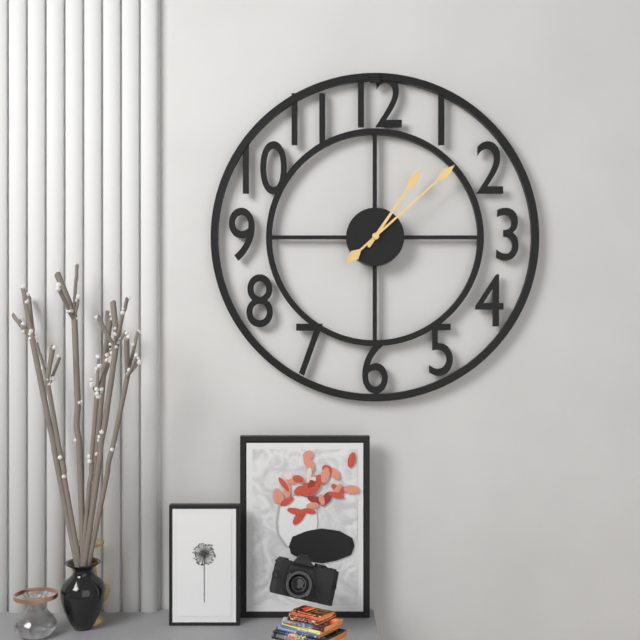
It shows 1h08
